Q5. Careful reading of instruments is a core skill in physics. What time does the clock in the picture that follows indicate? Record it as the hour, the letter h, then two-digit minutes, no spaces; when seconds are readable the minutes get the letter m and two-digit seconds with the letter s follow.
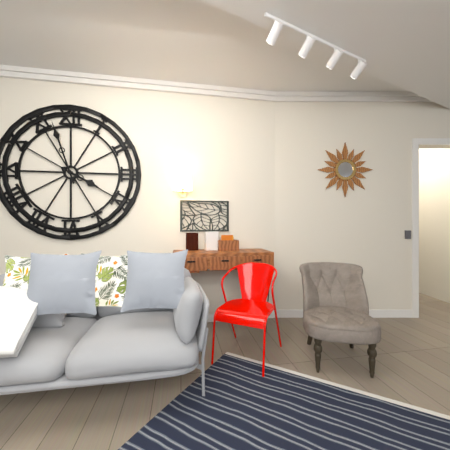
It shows 3h57
